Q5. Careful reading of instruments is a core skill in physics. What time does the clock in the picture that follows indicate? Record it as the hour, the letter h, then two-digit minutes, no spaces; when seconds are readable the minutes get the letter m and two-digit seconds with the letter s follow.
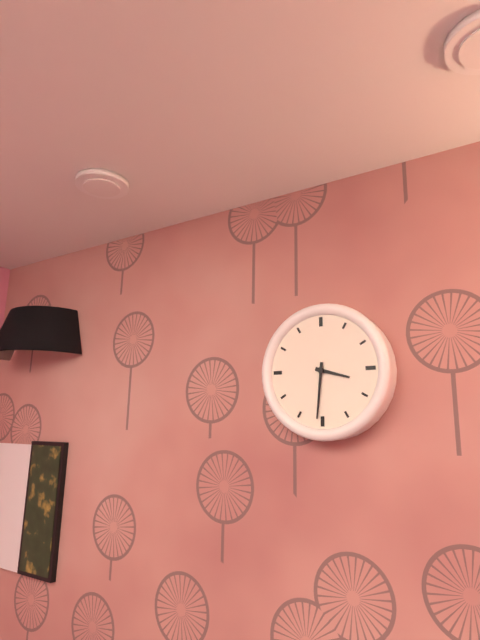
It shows 3h31
